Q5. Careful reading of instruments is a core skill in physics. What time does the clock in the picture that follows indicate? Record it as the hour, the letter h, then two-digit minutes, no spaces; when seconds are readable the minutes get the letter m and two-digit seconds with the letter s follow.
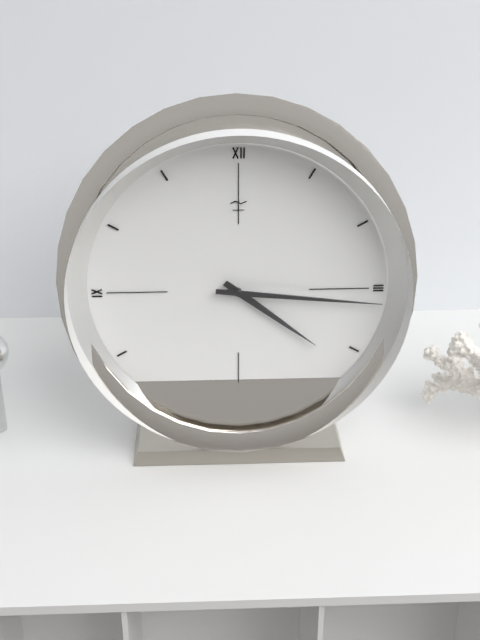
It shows 4h16
